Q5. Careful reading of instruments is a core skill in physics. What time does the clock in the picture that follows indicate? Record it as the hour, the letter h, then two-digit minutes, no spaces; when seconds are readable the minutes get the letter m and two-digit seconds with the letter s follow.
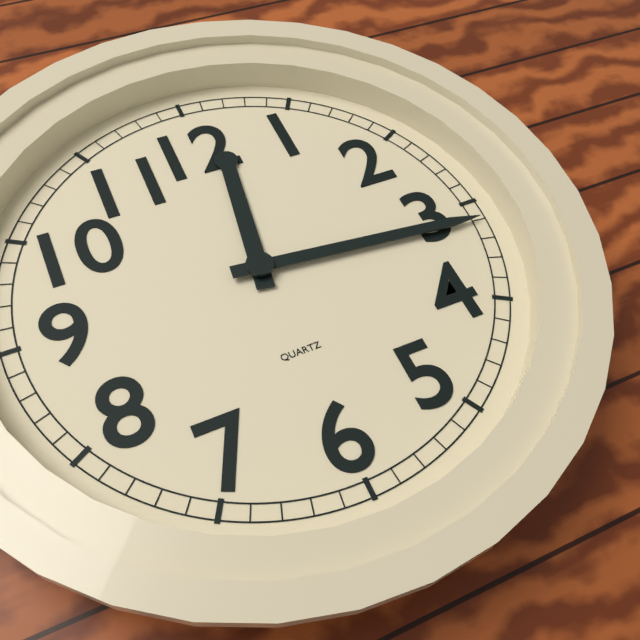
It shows 12h16
